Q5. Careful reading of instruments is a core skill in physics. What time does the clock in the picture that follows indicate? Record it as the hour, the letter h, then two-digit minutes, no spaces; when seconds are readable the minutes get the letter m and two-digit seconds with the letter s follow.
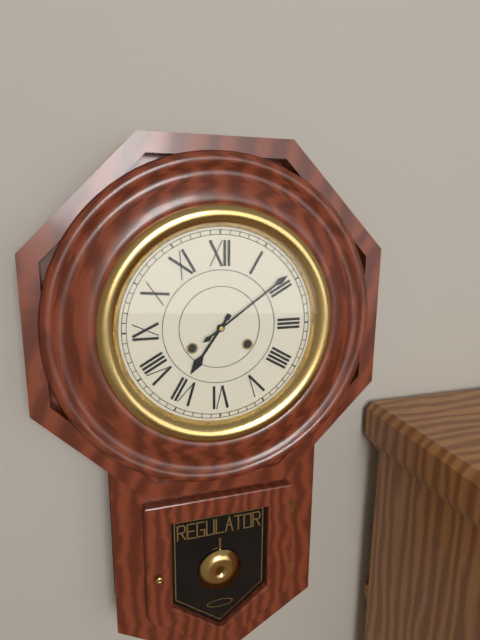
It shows 7h09
